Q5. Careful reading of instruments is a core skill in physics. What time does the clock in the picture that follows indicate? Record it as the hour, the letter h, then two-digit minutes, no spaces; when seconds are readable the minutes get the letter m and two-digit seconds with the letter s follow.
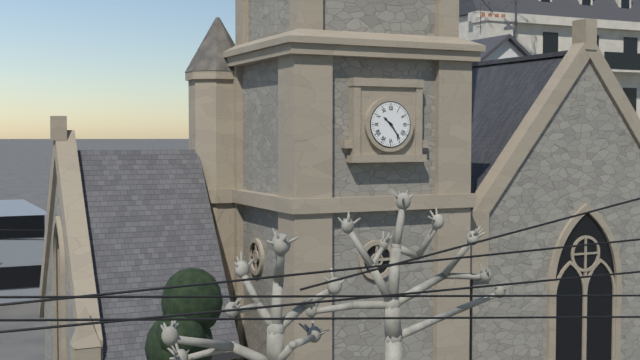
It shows 10h24
